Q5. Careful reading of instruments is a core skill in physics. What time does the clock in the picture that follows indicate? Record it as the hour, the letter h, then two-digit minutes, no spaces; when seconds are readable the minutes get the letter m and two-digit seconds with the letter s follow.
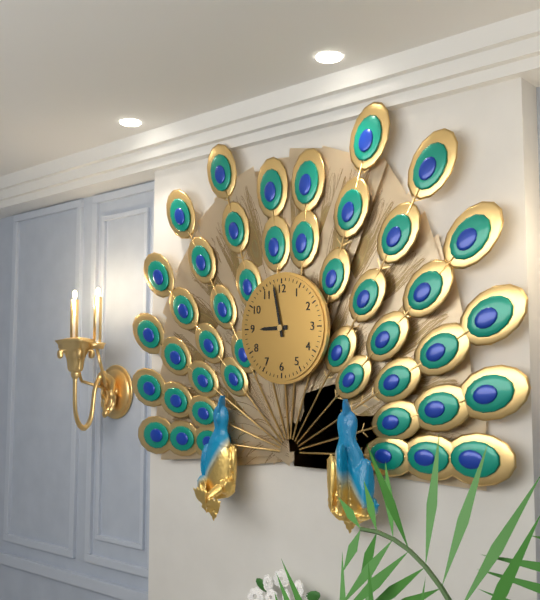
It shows 8h58
